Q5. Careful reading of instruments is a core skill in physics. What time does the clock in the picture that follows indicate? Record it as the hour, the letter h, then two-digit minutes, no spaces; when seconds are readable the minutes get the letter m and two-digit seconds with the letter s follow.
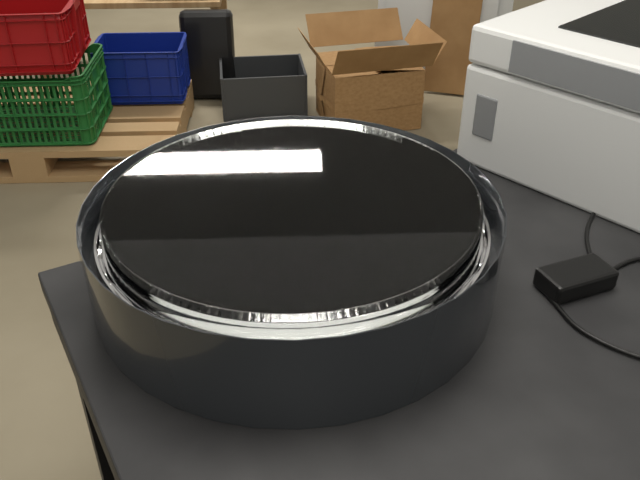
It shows 3h24
